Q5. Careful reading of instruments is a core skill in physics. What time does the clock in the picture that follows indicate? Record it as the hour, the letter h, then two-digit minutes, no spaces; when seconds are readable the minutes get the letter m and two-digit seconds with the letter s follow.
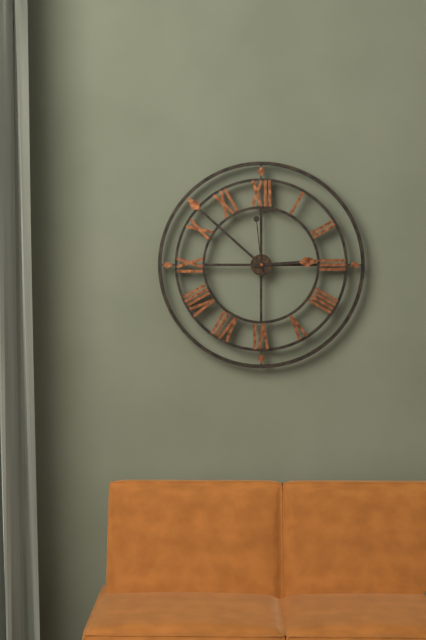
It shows 2h52m59s
